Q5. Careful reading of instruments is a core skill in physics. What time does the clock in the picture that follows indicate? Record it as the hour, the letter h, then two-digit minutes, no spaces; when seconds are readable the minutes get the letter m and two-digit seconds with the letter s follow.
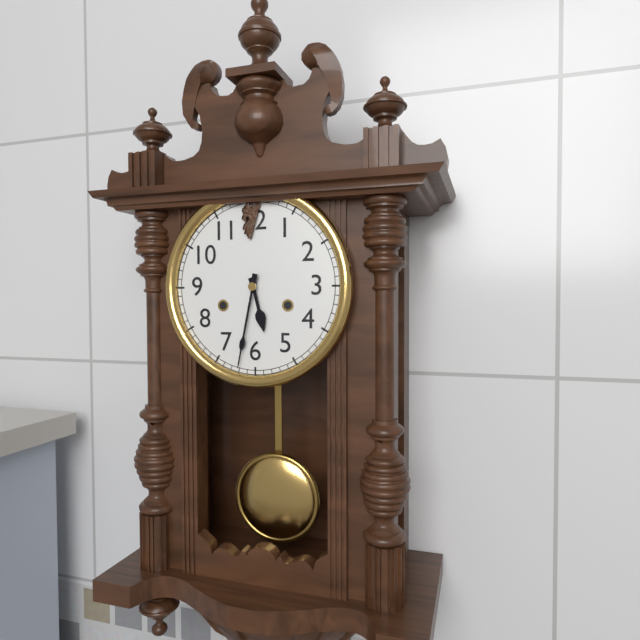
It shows 5h32
